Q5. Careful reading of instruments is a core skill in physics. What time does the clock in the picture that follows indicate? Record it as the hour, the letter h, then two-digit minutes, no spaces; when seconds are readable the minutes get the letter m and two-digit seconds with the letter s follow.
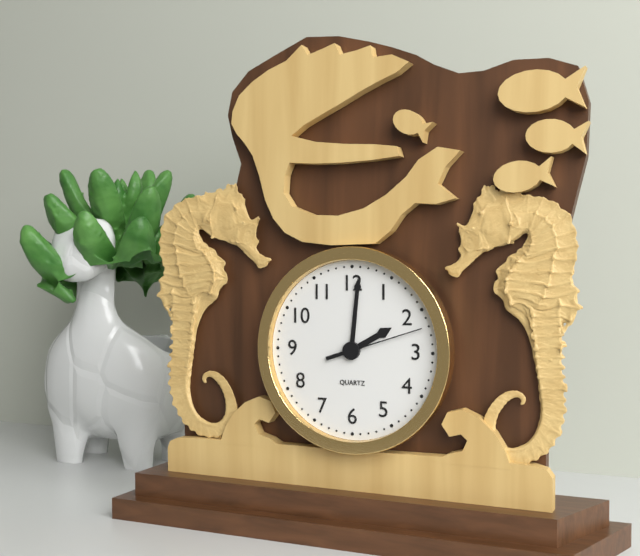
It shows 2h01m12s
